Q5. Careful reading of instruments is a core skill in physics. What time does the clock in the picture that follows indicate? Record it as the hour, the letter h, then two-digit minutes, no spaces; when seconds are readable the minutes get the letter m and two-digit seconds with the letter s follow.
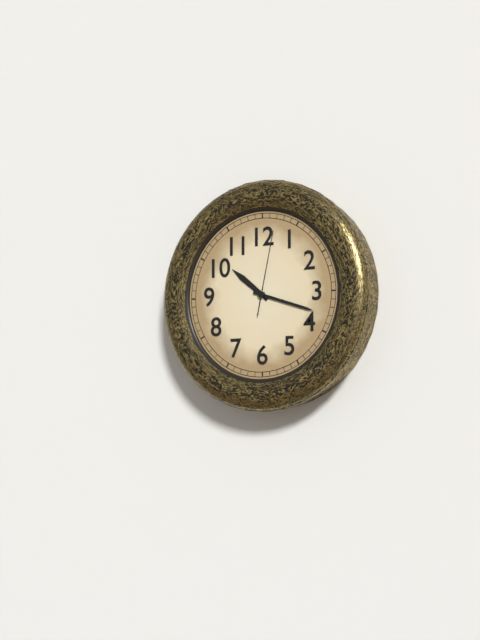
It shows 10h18m02s
